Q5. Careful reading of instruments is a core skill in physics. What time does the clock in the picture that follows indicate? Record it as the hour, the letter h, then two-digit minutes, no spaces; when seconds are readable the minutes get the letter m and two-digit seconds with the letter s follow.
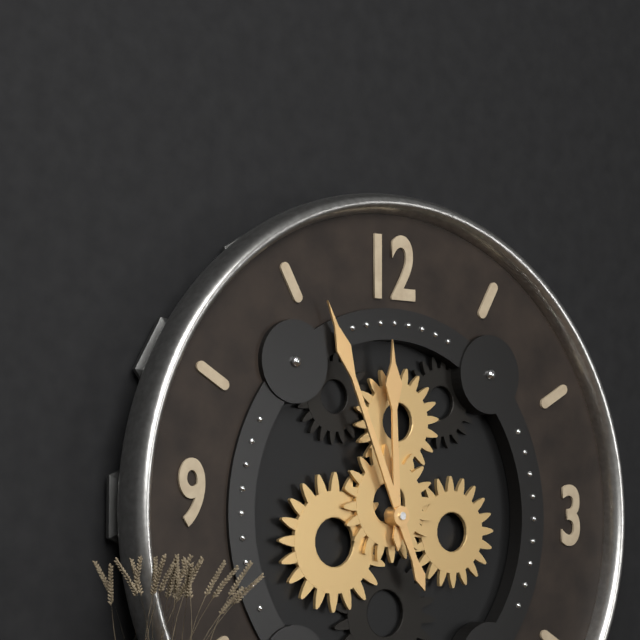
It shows 11h56
